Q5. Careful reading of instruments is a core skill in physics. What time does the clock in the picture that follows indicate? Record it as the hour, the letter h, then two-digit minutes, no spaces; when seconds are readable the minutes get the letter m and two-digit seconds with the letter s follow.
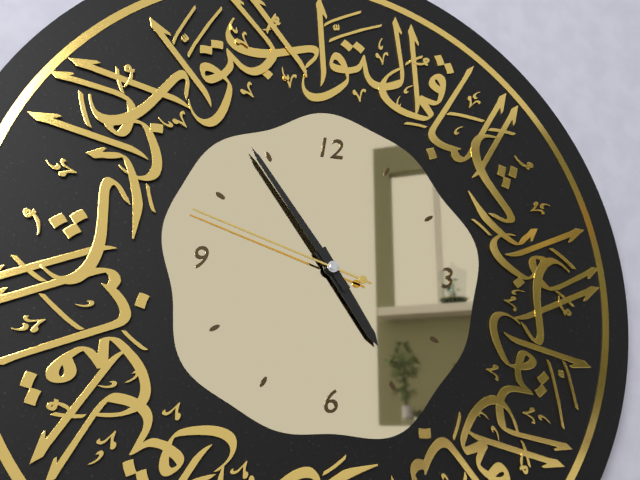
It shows 4h54m48s
